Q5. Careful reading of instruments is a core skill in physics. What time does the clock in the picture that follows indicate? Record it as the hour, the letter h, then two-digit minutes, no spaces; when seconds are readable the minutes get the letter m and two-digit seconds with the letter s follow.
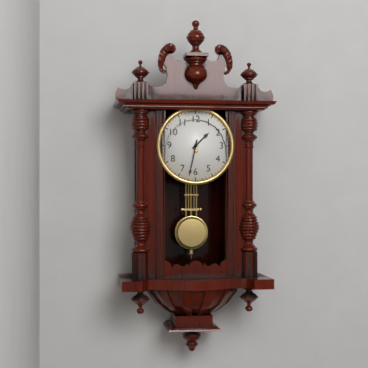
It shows 1h32
